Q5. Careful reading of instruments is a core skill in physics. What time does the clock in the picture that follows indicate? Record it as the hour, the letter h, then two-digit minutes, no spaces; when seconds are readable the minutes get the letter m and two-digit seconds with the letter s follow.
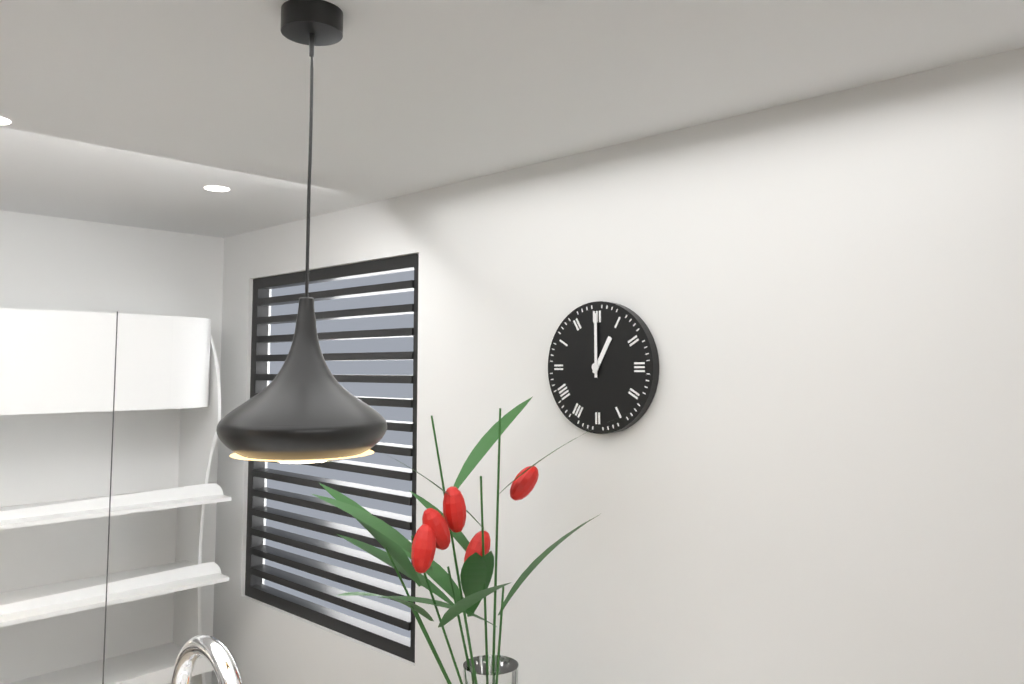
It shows 1h00
